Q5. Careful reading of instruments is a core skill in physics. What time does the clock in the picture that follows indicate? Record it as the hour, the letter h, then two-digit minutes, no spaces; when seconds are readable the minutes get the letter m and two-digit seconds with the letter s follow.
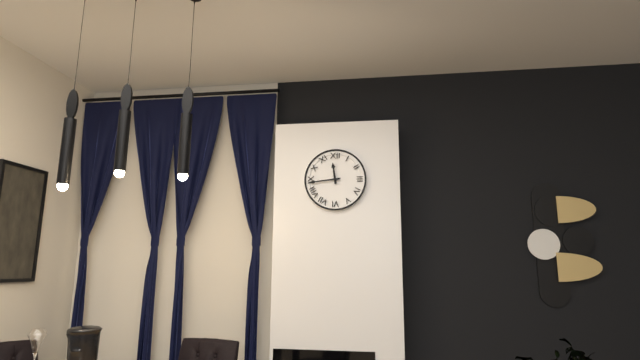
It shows 11h44
